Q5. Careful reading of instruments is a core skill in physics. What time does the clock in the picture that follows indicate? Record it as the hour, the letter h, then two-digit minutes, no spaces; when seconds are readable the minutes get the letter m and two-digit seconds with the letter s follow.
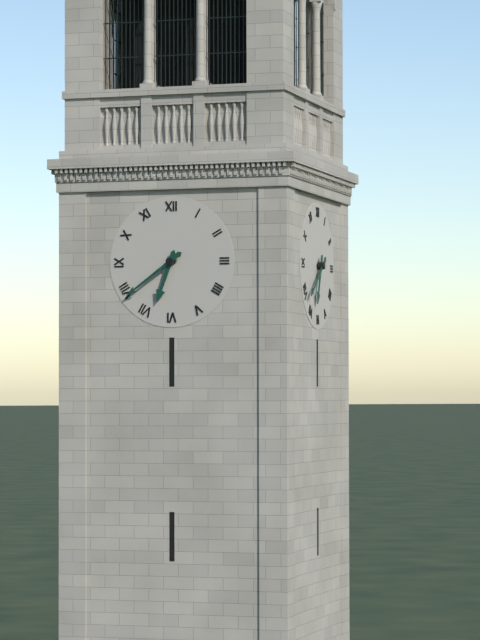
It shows 6h39
